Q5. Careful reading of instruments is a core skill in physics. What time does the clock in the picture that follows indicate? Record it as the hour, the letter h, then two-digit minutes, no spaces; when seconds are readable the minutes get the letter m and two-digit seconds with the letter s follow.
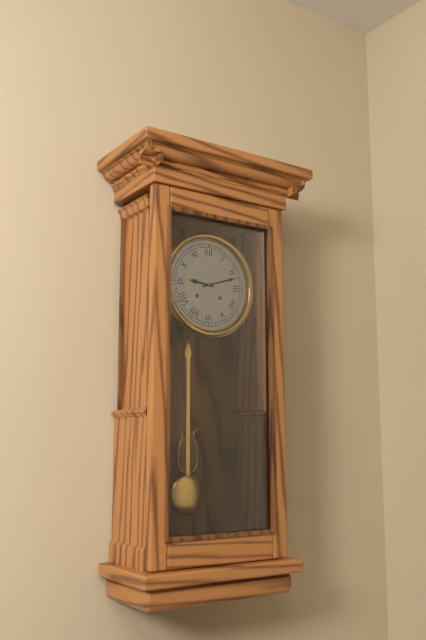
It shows 9h12
